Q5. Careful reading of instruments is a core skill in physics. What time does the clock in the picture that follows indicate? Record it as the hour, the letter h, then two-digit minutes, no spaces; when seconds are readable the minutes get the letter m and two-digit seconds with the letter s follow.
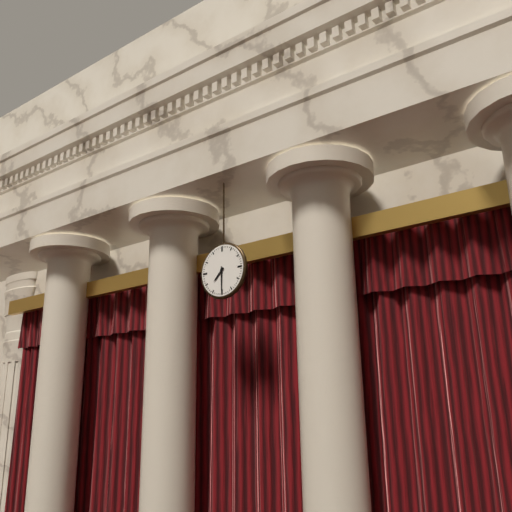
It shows 7h30
